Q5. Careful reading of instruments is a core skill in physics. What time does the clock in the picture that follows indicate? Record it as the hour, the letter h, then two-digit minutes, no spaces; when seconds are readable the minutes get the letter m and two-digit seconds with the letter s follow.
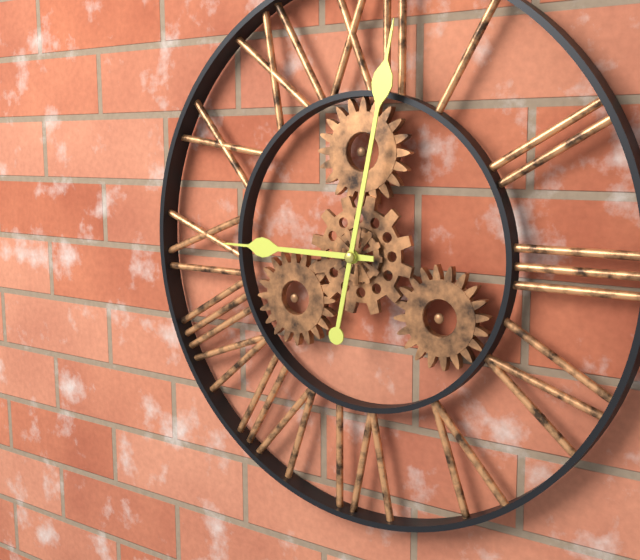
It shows 9h02
